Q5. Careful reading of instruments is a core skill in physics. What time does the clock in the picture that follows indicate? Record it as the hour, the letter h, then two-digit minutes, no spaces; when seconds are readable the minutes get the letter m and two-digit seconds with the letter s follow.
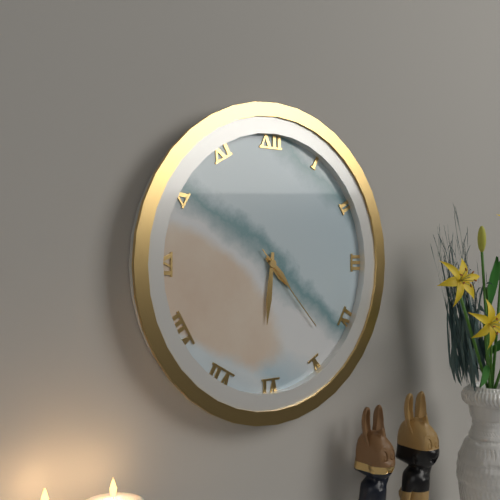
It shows 4h31m23s
